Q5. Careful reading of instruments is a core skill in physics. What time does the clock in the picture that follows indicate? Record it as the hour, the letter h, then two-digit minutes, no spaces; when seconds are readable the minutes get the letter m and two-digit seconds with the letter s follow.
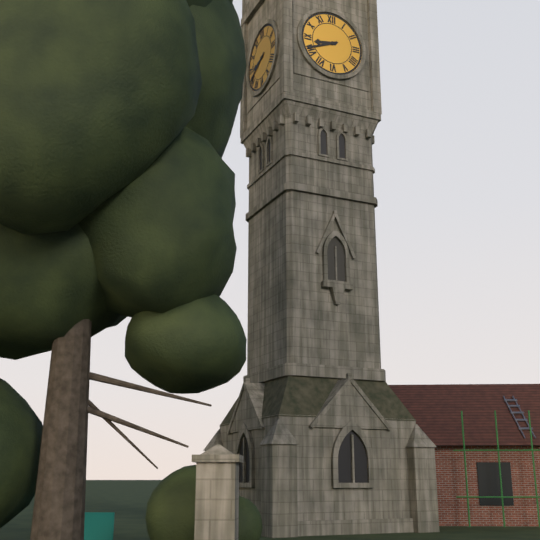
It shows 8h41
